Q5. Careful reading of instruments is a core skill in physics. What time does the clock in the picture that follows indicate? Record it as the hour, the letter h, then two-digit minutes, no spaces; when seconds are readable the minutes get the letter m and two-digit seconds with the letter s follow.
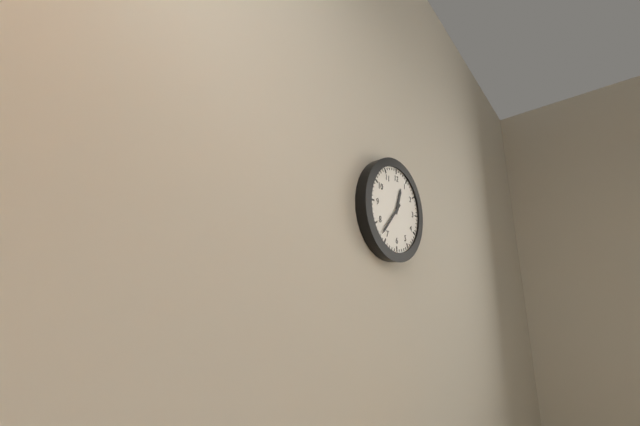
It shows 12h37
